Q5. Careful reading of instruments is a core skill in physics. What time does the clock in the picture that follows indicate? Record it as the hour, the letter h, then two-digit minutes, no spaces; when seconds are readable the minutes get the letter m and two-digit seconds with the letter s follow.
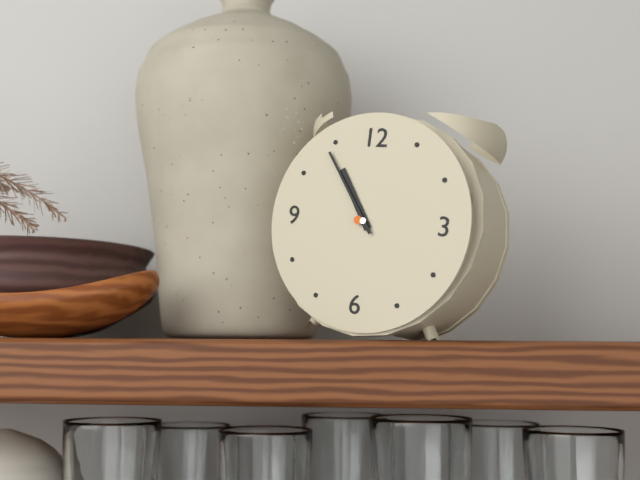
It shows 10h54
